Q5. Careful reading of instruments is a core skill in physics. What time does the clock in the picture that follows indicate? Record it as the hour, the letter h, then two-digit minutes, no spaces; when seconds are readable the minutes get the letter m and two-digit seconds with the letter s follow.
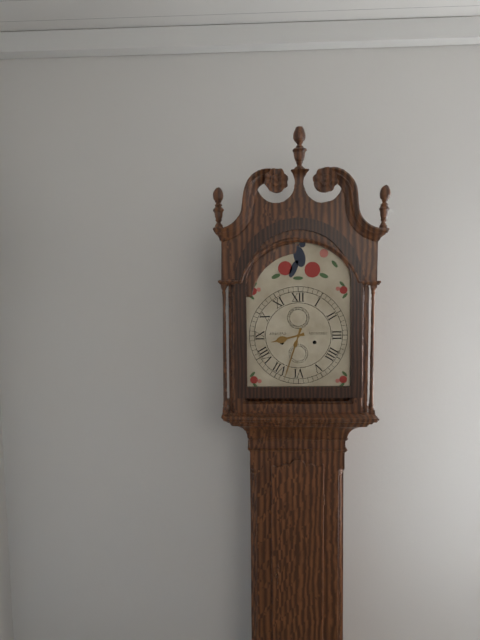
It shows 8h33
